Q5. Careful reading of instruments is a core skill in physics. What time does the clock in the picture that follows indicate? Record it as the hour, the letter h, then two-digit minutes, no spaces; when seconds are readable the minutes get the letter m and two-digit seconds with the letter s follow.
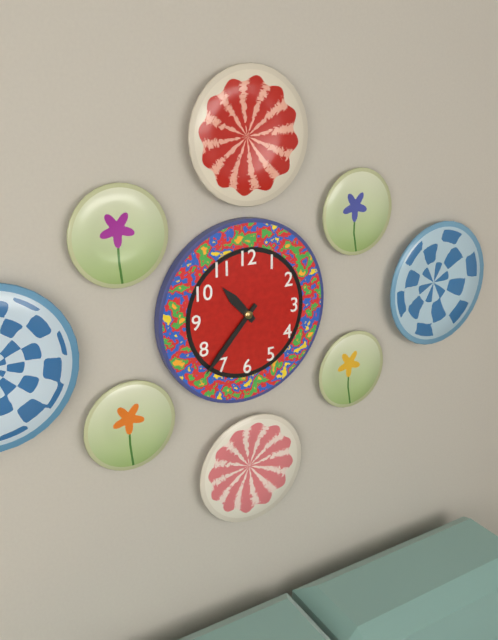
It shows 10h37
